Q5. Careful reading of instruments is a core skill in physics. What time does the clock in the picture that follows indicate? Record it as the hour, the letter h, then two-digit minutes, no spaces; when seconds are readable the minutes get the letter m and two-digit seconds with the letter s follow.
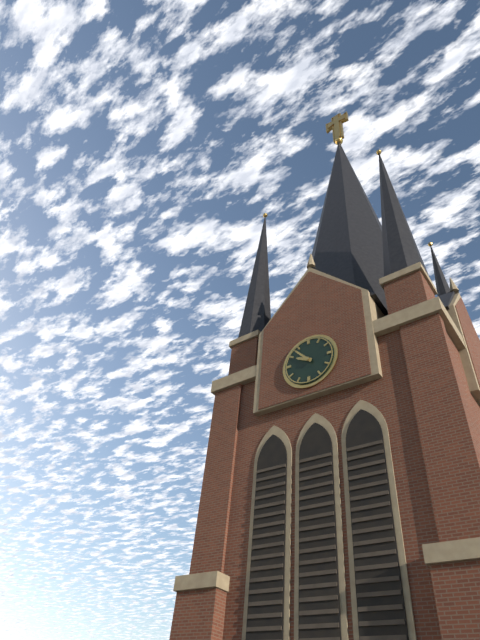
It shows 9h53
